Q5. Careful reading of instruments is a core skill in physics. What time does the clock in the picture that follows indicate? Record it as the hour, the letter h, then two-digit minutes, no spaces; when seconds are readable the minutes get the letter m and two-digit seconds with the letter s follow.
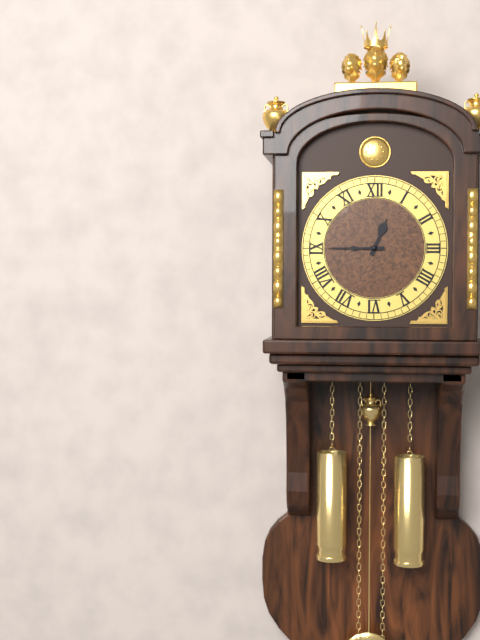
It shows 12h45
